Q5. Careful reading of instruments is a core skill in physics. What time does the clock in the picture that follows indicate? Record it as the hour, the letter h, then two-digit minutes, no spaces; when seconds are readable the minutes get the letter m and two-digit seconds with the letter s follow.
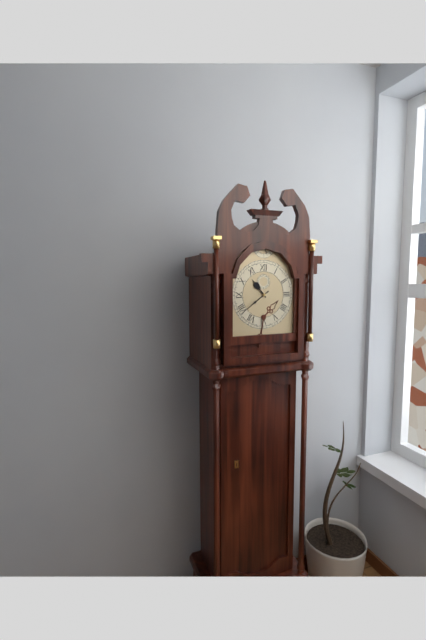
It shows 10h39
